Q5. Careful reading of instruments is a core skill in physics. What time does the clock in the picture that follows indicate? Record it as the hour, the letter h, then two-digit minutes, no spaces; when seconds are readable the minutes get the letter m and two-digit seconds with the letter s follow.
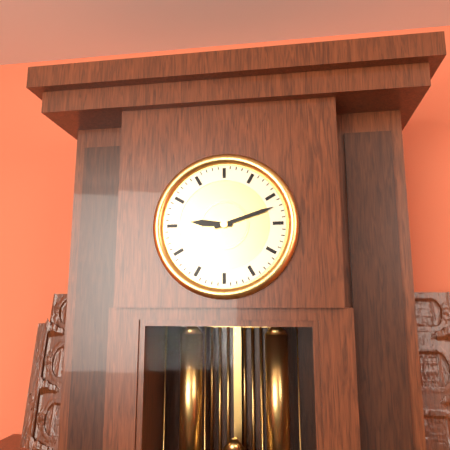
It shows 9h12
